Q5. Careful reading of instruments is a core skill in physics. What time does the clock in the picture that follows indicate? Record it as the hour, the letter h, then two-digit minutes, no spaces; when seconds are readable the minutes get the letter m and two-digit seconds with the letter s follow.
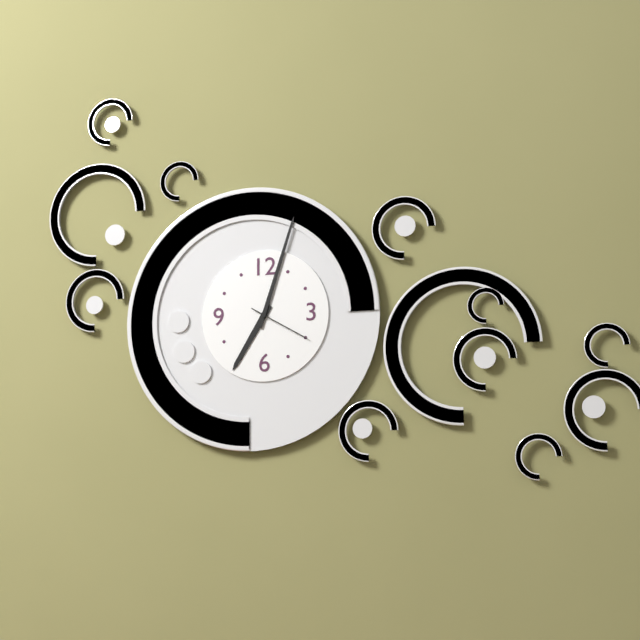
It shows 7h03m20s
